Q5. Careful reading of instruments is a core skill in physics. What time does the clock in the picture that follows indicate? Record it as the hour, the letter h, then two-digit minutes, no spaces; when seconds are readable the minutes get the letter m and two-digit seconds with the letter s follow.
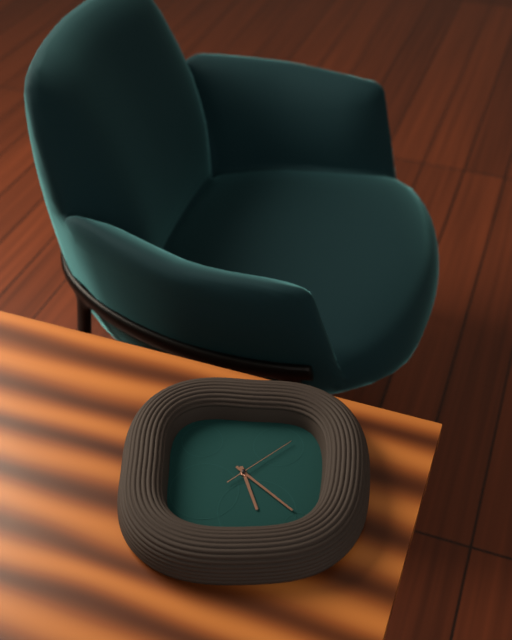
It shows 5h22m08s
